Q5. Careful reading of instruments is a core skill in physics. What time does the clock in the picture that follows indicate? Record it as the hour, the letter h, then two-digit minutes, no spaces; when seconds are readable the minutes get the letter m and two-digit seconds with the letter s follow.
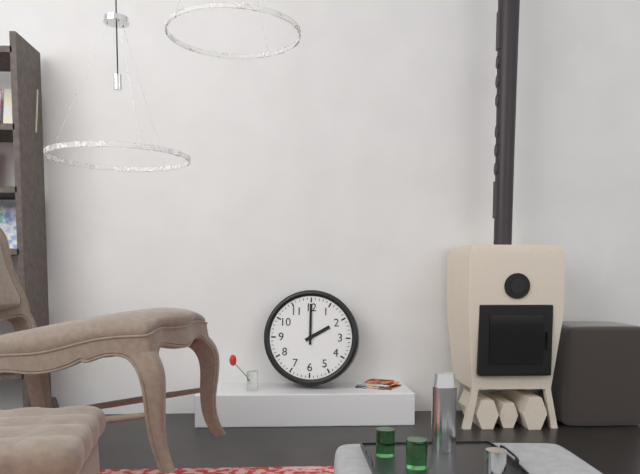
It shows 2h00
